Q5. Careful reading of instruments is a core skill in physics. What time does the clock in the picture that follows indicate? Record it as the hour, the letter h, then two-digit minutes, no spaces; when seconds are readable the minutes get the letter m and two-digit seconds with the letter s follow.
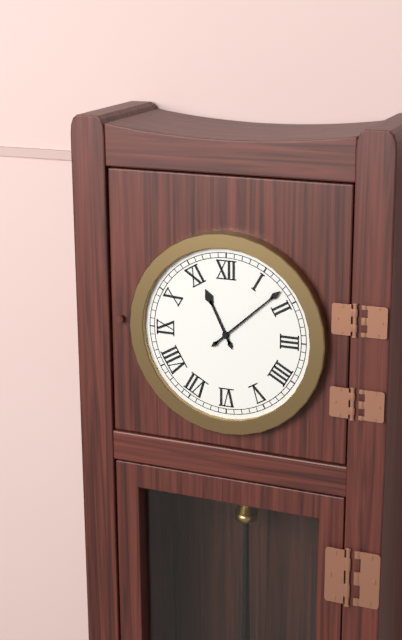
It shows 11h08
